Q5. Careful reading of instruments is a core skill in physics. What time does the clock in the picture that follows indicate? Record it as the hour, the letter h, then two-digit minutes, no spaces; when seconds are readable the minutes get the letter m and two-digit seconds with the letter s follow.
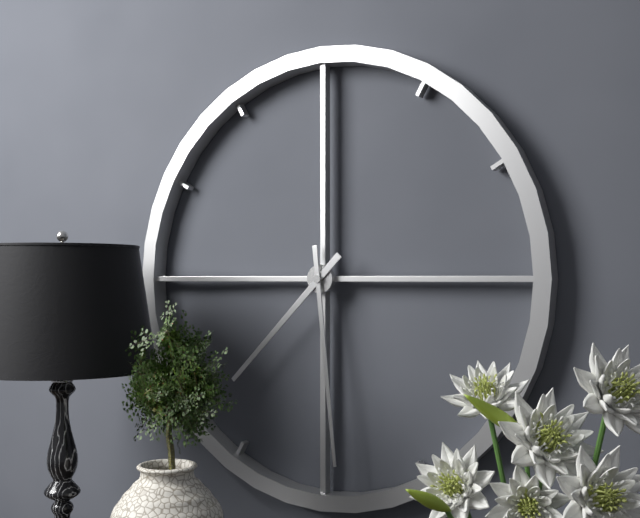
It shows 7h29
